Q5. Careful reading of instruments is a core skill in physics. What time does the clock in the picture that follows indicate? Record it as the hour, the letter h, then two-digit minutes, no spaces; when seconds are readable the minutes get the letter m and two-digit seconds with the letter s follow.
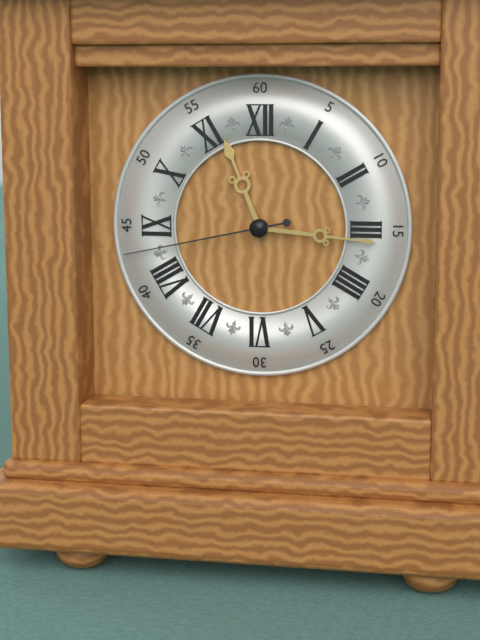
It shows 11h16m43s
